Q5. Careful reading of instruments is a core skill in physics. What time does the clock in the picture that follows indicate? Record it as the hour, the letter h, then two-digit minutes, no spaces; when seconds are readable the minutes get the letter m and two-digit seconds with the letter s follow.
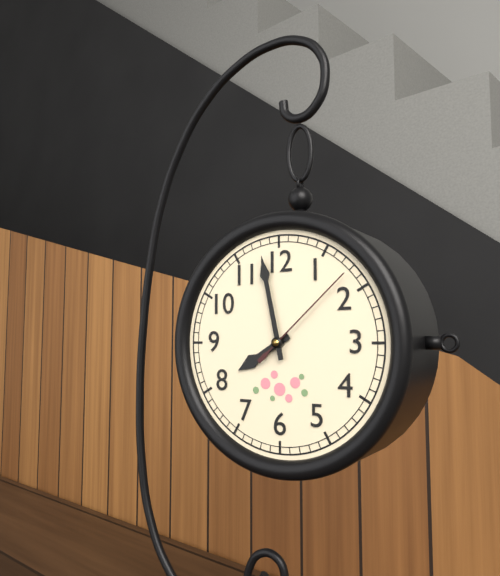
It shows 7h58m08s
